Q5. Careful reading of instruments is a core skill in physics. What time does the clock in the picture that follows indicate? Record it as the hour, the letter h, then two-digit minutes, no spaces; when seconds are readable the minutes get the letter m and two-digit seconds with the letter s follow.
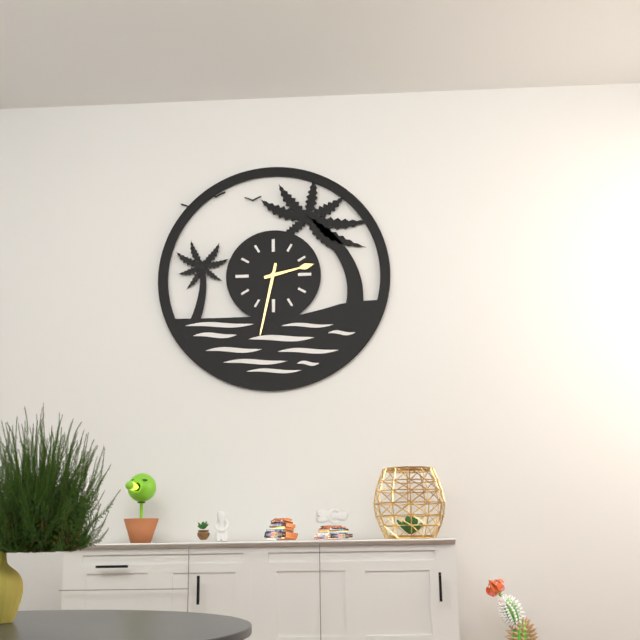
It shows 2h32
